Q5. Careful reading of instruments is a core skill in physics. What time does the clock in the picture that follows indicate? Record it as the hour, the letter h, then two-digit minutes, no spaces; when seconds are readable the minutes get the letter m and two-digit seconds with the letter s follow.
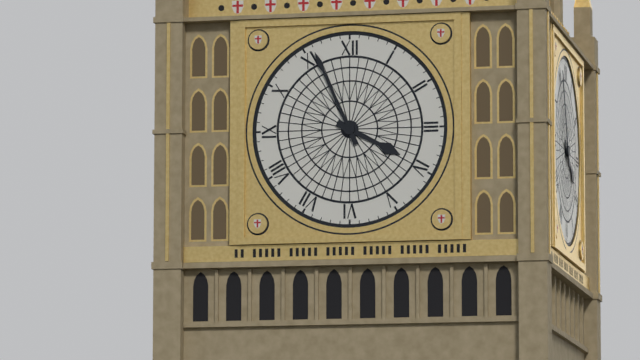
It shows 3h56
